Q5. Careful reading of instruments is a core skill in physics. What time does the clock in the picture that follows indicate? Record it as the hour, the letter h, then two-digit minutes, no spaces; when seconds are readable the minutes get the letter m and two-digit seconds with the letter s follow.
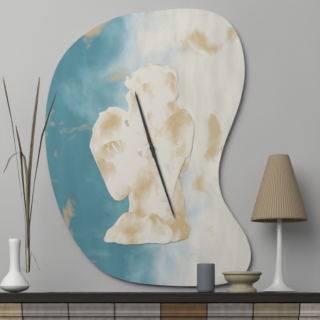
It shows 11h27
